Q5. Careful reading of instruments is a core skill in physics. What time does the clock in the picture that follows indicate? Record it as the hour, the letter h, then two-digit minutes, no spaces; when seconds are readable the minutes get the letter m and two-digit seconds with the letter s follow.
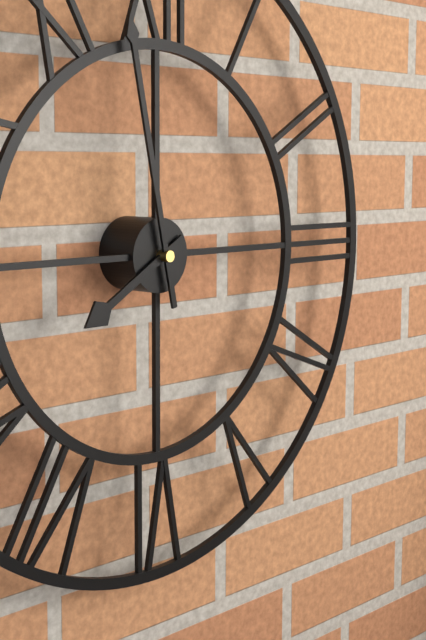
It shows 7h58
